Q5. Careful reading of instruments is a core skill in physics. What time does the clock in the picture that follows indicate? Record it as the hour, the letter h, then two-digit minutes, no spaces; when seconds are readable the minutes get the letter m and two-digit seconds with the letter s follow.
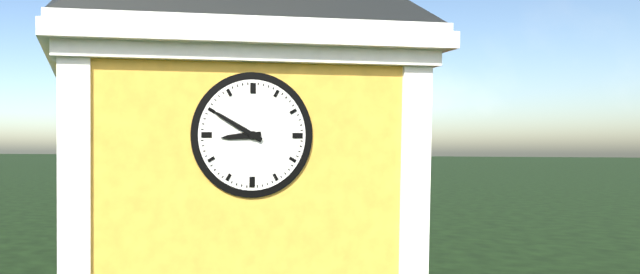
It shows 8h50
